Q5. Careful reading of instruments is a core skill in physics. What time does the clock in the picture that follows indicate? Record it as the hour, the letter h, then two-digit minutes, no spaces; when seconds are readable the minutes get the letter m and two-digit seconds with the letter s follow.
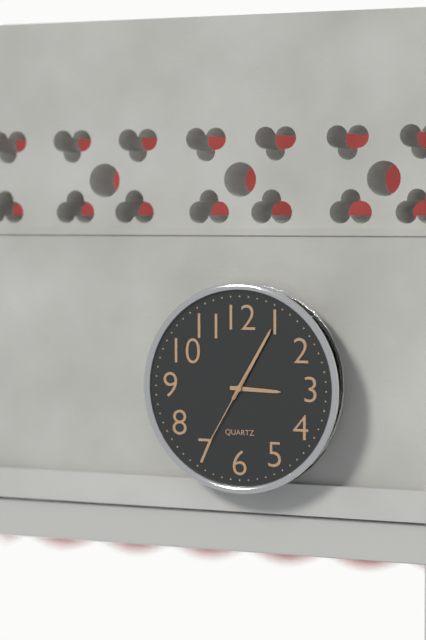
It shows 3h05m35s
